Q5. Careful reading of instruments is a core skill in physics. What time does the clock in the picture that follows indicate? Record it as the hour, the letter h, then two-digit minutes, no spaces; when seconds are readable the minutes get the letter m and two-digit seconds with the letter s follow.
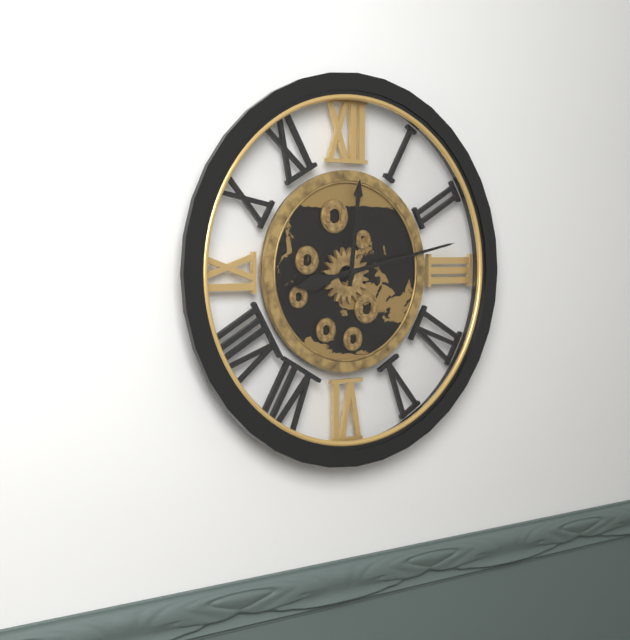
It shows 12h13
